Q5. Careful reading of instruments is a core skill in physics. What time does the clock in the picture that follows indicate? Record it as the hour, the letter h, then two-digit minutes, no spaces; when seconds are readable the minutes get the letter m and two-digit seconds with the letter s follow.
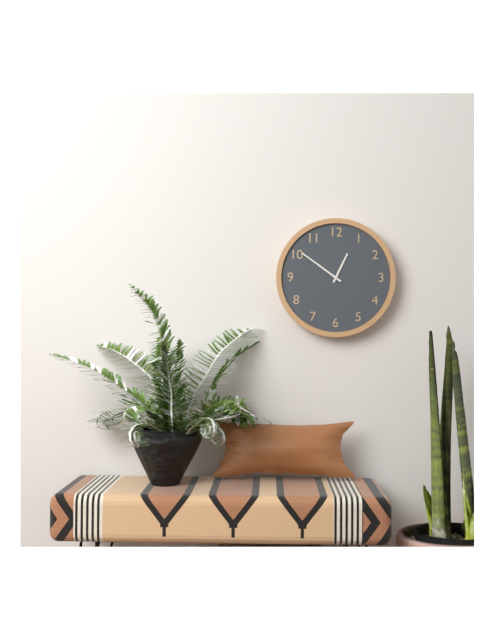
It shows 12h51
